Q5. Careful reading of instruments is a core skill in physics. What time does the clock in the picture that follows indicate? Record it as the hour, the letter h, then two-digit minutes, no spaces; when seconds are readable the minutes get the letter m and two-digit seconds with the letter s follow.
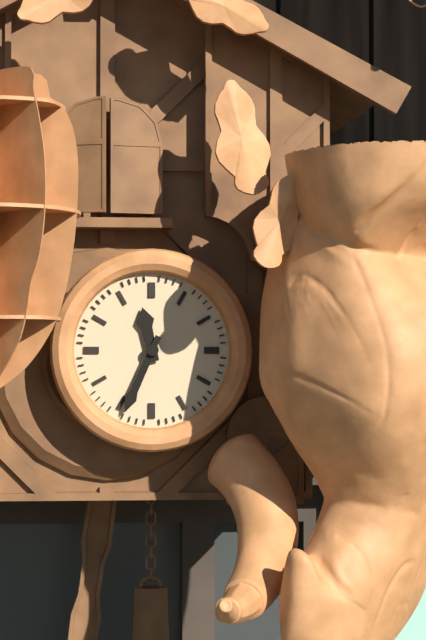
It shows 11h34
